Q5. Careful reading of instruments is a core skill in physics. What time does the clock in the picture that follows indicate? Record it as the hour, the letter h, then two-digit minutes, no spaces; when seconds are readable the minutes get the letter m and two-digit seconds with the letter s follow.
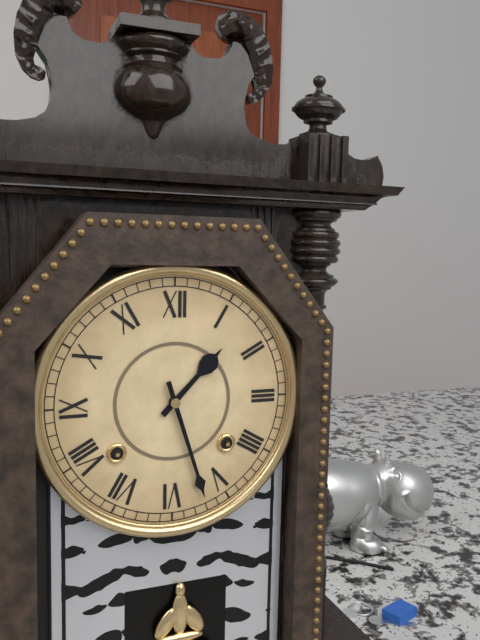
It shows 1h27
